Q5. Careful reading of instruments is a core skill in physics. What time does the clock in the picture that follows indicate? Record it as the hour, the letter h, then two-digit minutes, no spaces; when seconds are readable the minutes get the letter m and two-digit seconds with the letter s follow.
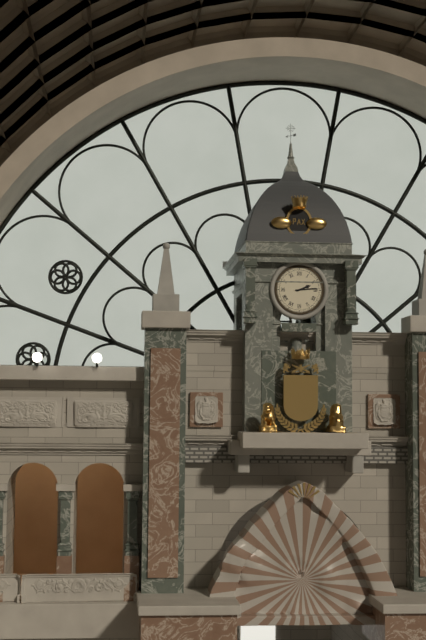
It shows 2h14
